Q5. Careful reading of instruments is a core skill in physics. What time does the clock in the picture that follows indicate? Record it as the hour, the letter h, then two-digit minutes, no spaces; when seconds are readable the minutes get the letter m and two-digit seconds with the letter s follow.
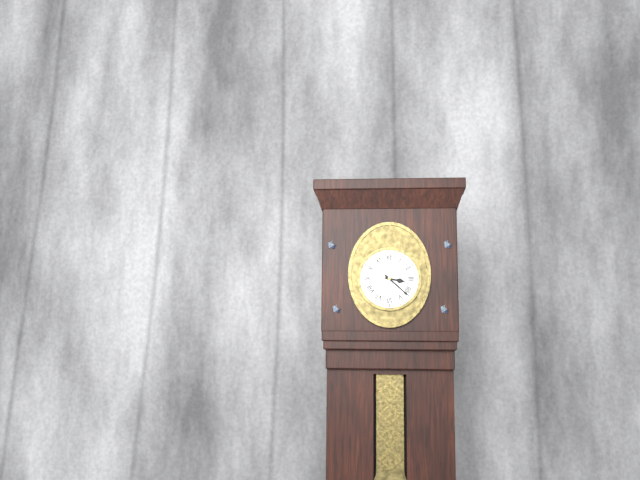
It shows 3h22
